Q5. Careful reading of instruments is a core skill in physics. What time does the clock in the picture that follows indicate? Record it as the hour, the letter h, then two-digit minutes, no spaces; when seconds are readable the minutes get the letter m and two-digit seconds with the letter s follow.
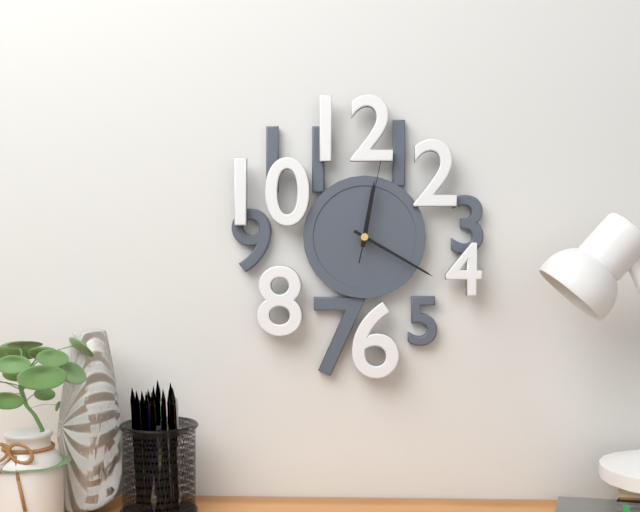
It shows 12h20m02s
